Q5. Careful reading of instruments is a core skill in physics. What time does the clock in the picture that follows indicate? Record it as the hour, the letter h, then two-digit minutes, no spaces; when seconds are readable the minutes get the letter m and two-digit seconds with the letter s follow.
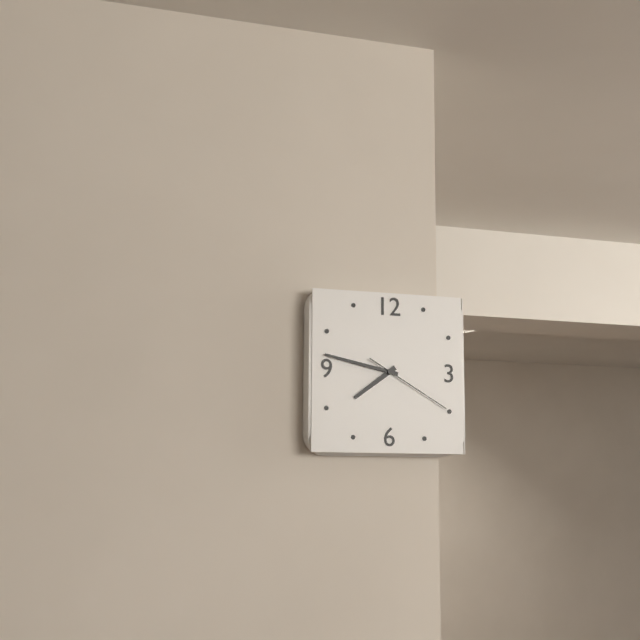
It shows 7h47m20s
